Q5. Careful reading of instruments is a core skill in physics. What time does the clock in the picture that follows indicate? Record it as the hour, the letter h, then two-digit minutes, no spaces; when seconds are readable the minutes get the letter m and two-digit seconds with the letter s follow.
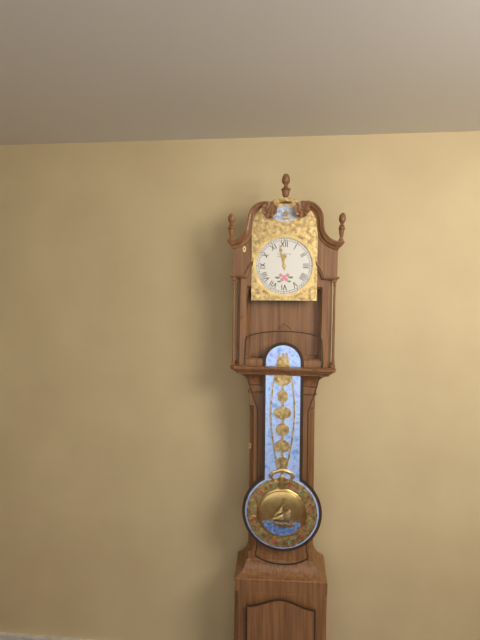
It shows 11h58
